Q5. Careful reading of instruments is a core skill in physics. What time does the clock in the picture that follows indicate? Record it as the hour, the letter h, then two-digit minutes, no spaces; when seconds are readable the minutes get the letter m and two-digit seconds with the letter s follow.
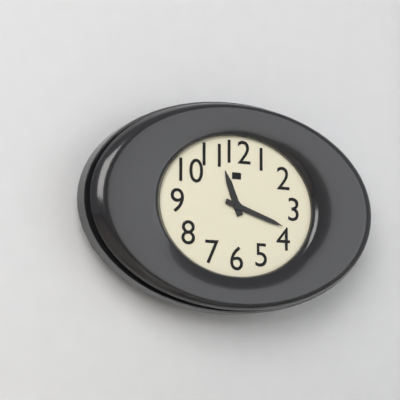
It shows 11h18
